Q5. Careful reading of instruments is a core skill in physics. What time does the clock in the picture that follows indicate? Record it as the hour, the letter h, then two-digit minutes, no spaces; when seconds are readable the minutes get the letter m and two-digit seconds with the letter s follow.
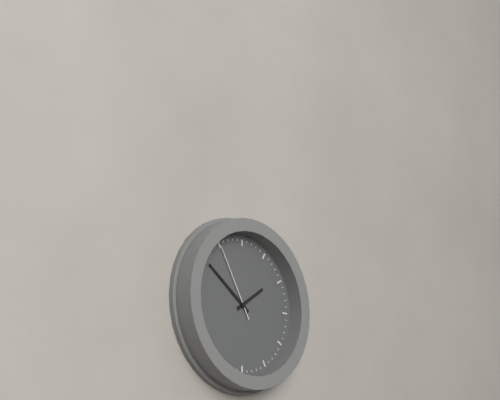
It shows 1h51m55s
